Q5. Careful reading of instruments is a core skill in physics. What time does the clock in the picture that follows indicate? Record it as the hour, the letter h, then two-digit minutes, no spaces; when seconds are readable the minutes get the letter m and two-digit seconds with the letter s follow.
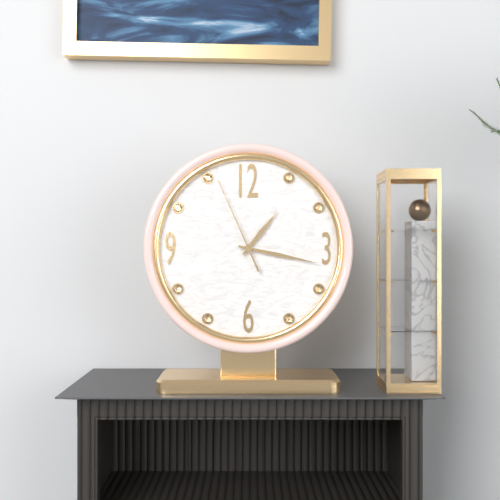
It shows 1h17m56s
